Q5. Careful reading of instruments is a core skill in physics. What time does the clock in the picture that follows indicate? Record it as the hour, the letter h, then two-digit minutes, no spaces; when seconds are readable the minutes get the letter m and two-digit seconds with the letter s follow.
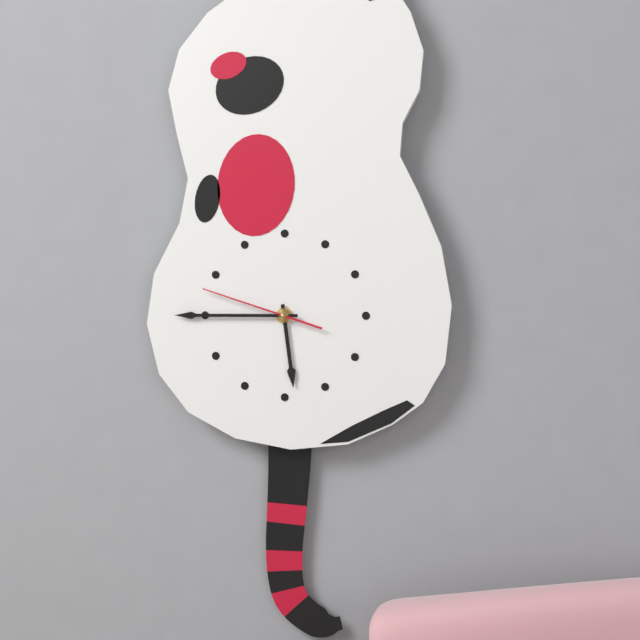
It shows 5h45m48s
